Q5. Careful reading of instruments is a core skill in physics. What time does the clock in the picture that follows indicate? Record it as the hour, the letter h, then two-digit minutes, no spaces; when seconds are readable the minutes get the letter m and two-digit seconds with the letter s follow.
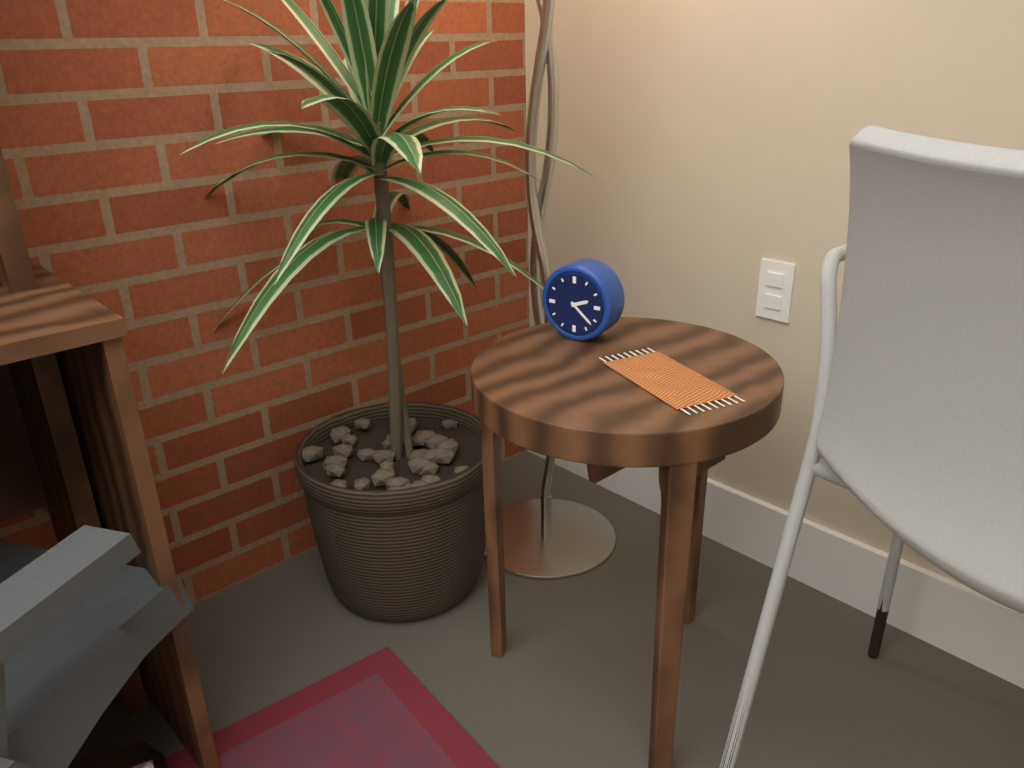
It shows 2h22
